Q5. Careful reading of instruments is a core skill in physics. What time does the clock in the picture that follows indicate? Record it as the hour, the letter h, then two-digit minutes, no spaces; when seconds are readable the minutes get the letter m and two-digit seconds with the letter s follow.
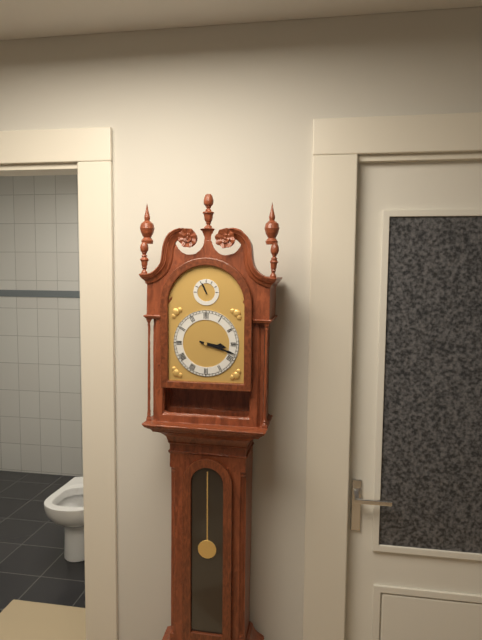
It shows 3h18
